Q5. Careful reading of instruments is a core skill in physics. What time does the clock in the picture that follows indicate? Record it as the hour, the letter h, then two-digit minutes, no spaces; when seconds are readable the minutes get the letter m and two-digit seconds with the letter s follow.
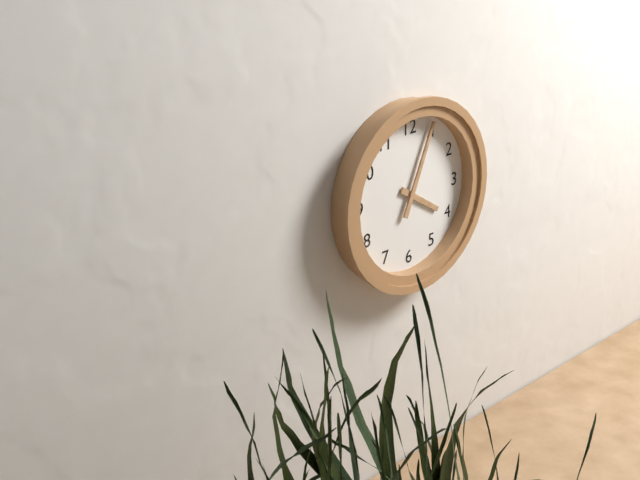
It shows 4h04
